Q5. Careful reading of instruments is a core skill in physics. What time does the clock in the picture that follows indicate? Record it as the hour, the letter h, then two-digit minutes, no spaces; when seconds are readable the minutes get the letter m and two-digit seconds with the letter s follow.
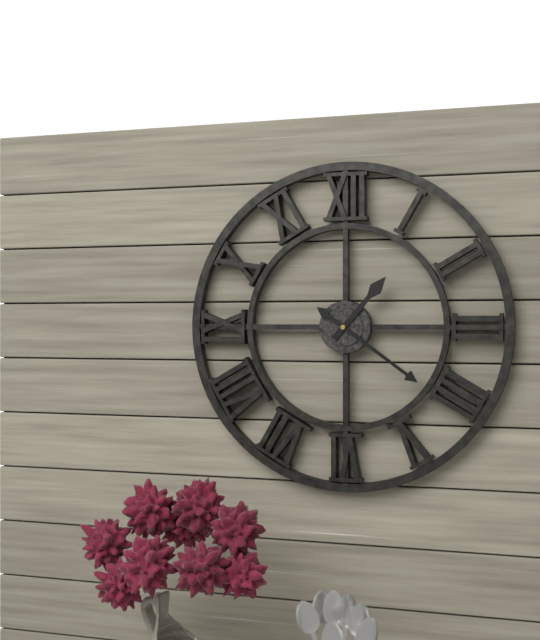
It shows 1h21
